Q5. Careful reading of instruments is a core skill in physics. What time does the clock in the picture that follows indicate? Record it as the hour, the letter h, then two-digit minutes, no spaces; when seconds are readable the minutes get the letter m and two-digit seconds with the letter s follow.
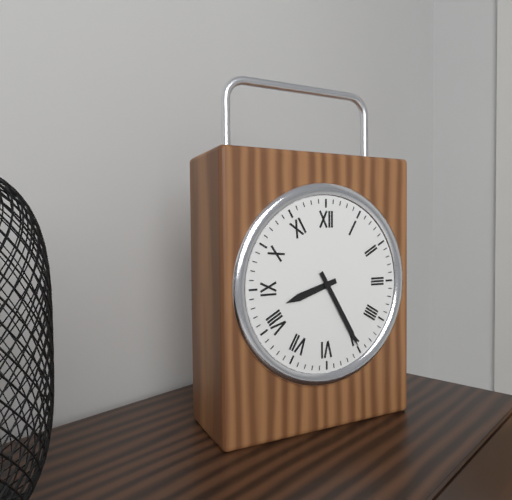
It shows 8h25
